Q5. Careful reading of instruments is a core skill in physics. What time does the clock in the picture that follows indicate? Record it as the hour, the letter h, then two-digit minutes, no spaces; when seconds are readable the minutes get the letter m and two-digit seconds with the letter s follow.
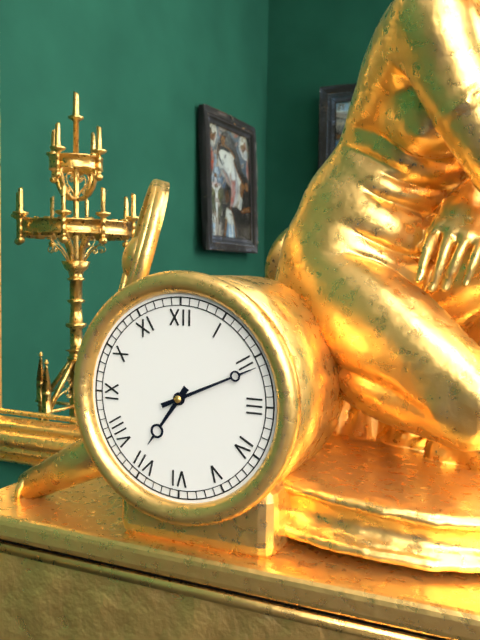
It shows 7h11
